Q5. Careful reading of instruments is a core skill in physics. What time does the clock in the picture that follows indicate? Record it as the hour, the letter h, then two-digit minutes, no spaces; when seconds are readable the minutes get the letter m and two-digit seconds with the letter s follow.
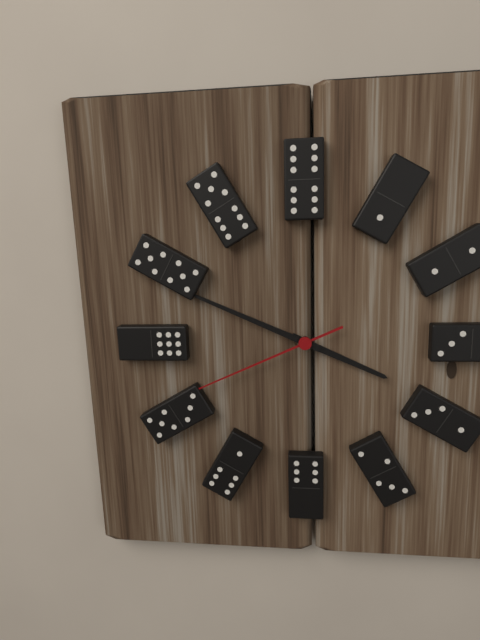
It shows 3h49m41s
